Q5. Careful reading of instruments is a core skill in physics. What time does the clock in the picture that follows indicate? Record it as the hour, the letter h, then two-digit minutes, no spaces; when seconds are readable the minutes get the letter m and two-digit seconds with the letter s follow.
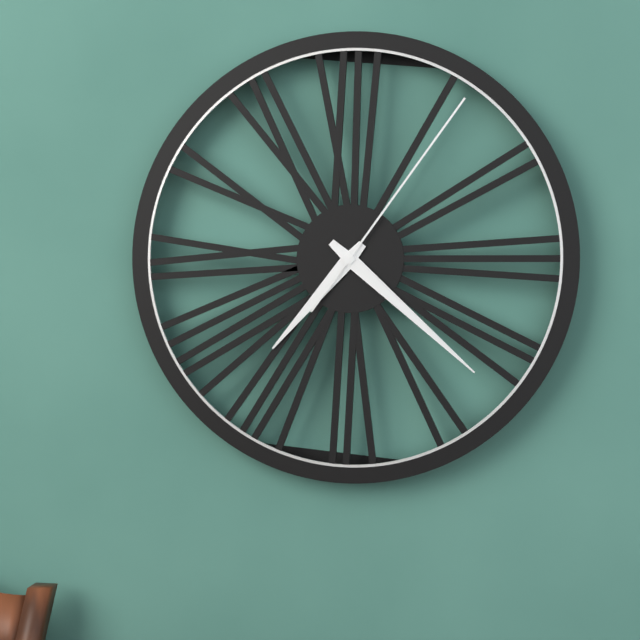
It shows 7h22m06s
